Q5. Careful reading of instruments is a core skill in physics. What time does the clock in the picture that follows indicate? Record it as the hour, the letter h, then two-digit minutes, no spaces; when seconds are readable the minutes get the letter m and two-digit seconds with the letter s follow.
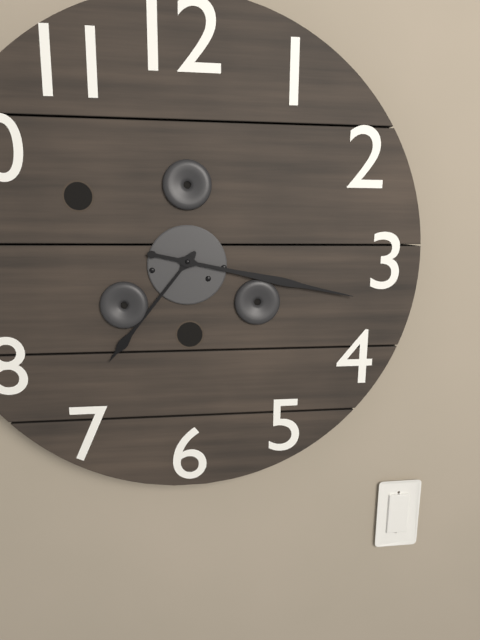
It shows 7h17
